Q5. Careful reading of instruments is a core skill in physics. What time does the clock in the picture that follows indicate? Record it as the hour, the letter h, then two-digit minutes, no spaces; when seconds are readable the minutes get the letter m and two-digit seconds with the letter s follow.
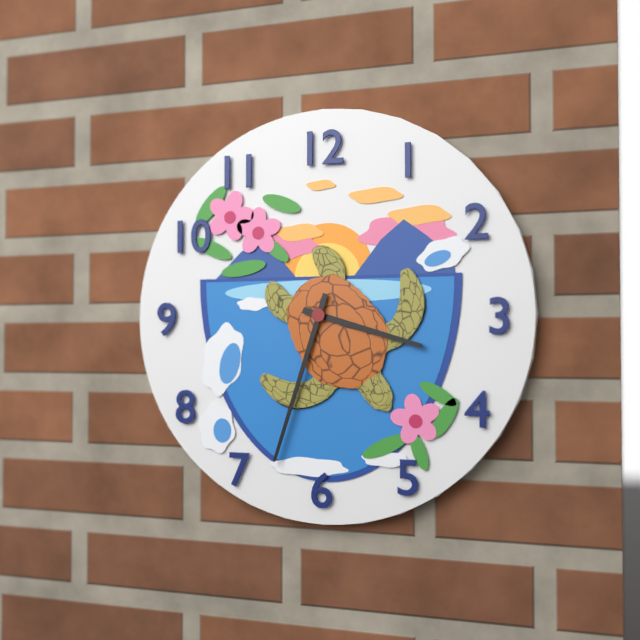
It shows 3h33
